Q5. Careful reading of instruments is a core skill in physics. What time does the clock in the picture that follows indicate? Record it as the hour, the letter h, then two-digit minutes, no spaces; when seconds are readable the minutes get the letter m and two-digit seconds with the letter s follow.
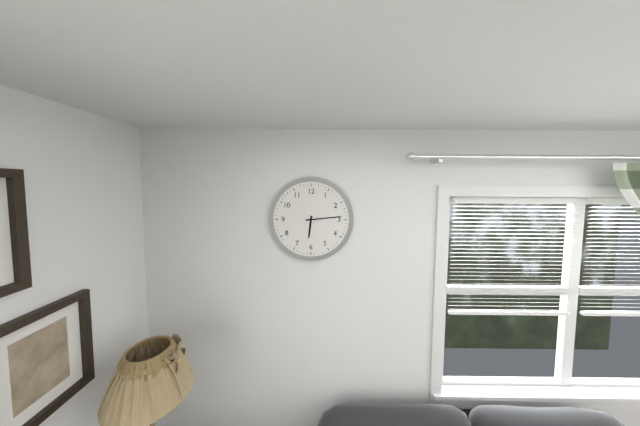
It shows 6h14
